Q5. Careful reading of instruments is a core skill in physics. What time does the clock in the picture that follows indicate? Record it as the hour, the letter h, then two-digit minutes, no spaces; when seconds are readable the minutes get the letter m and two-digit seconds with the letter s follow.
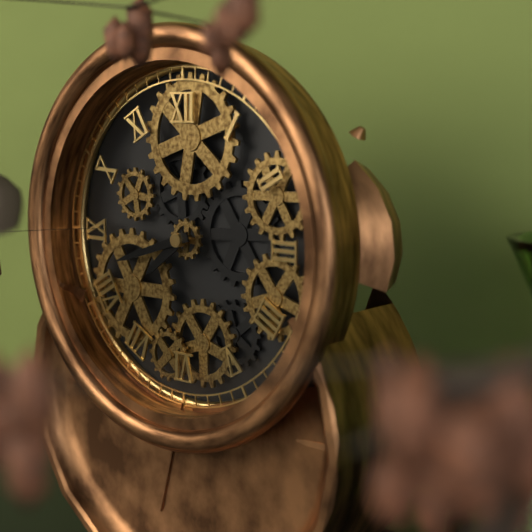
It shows 7h42
